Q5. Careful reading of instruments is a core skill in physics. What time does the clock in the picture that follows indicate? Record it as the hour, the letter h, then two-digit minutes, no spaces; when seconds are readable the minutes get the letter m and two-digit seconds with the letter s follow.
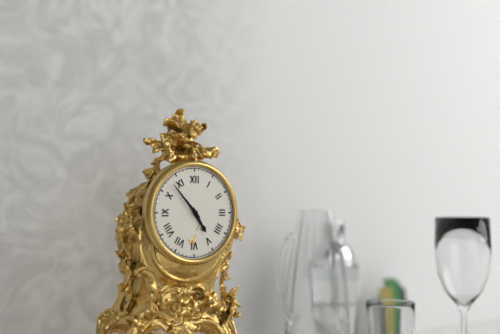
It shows 4h53
